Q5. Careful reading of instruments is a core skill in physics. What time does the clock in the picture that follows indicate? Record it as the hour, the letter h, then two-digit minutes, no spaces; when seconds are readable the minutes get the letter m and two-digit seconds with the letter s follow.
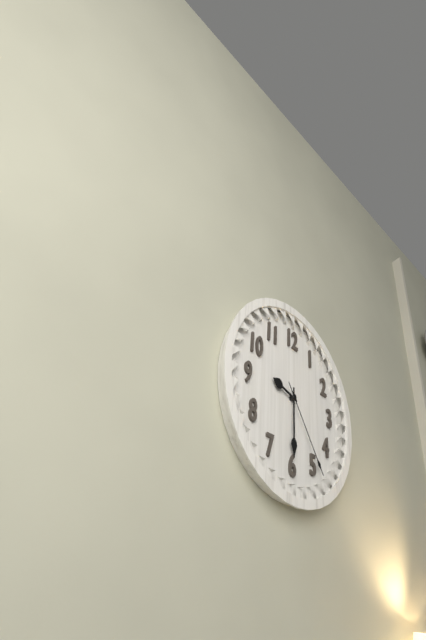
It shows 9h30m24s
